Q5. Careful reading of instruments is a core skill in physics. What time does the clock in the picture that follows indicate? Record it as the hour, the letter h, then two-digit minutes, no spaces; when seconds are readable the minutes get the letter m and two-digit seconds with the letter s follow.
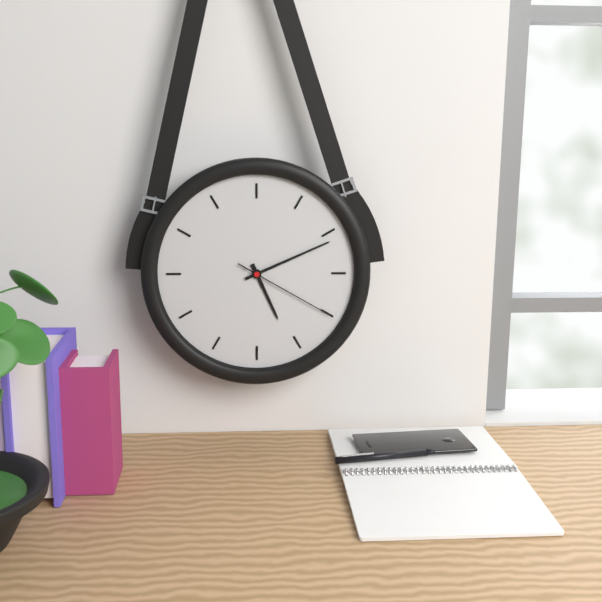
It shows 5h11m20s
